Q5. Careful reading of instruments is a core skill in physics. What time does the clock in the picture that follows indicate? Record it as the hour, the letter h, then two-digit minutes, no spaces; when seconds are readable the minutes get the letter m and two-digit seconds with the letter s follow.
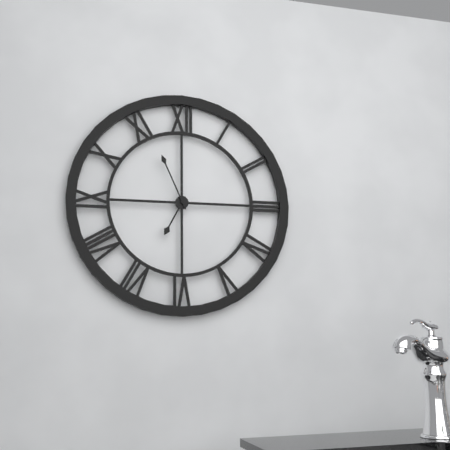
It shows 6h56
